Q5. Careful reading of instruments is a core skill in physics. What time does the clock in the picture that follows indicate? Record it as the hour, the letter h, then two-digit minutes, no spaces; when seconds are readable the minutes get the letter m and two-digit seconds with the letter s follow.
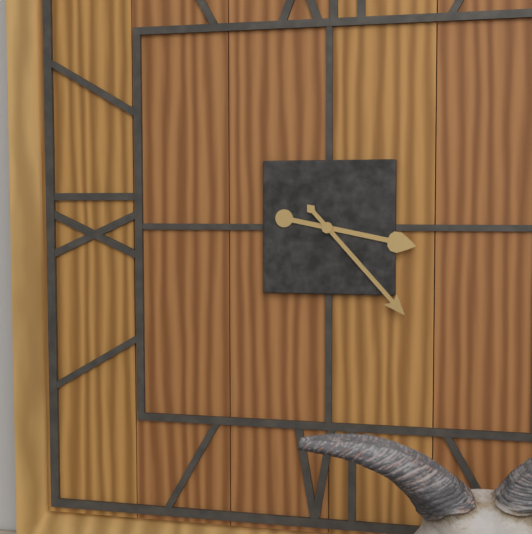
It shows 3h23
